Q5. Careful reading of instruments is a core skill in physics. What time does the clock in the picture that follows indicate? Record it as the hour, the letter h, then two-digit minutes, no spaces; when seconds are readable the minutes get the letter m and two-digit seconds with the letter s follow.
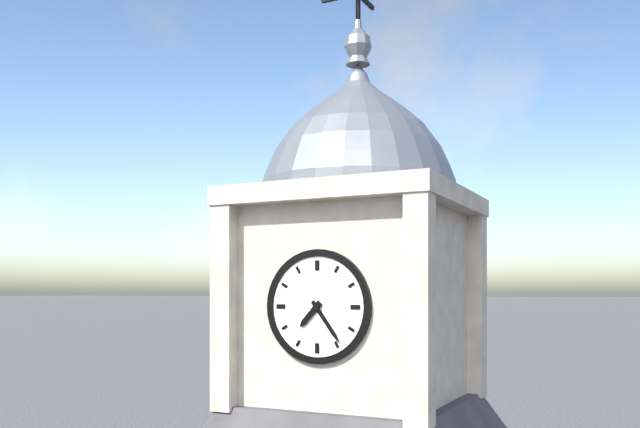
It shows 7h24
